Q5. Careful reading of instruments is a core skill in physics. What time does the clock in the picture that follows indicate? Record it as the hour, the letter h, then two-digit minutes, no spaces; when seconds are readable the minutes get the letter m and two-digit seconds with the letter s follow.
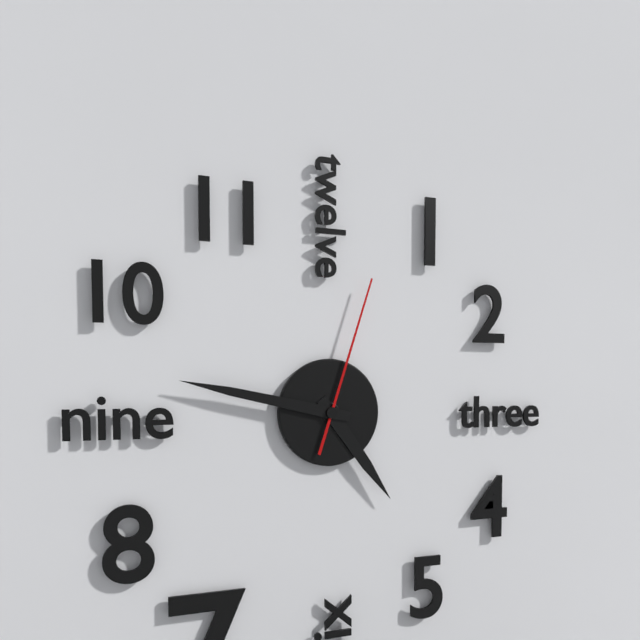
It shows 4h47m03s
